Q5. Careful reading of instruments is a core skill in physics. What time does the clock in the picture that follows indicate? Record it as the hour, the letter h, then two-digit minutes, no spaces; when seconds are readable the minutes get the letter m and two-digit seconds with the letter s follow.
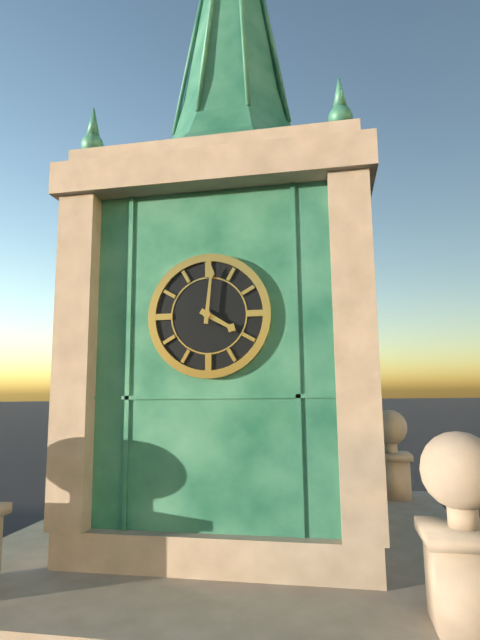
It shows 4h01
